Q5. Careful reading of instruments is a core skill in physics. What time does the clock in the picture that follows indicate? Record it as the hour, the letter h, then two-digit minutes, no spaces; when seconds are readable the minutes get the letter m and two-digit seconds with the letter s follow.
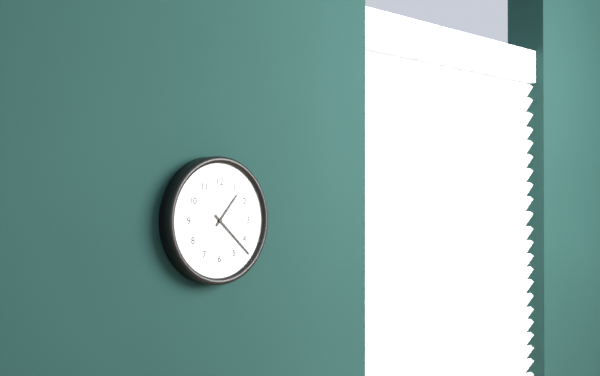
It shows 1h22
